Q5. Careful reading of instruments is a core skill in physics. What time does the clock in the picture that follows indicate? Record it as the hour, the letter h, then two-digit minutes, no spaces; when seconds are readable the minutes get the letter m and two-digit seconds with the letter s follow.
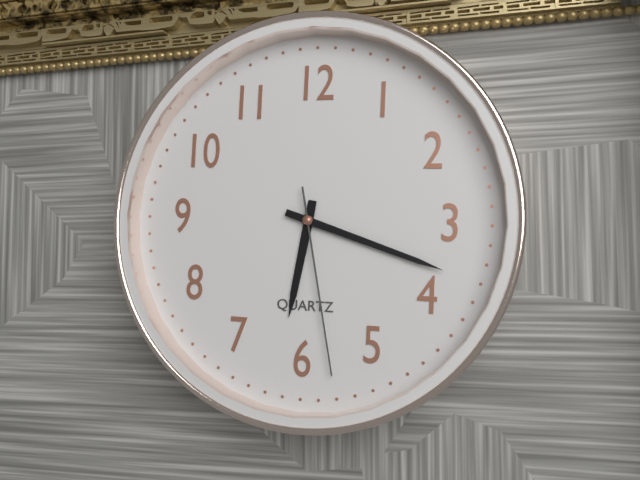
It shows 6h18m28s
